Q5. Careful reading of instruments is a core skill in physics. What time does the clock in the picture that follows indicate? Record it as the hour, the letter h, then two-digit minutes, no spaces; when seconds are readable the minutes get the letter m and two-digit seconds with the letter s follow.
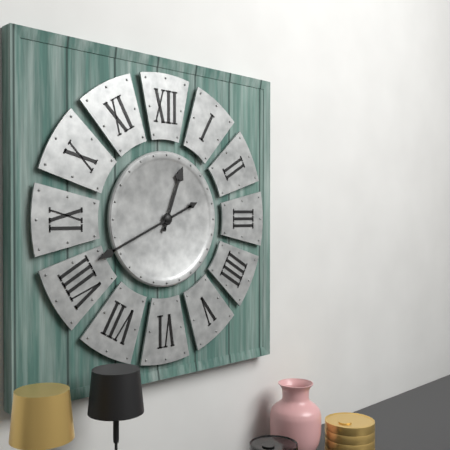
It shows 12h41
